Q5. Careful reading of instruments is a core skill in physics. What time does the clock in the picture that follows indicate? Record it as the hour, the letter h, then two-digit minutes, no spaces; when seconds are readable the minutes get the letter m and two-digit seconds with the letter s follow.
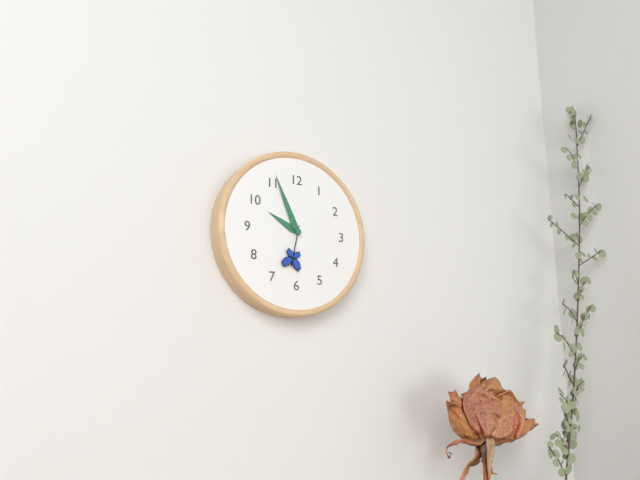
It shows 9h56
